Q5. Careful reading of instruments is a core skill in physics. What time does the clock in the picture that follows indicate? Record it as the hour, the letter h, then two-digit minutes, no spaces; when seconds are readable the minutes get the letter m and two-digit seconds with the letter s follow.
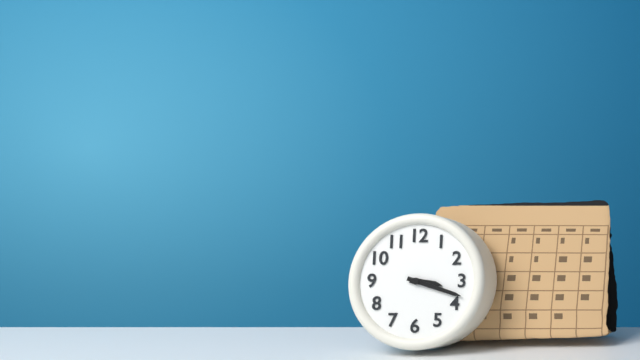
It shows 3h18
